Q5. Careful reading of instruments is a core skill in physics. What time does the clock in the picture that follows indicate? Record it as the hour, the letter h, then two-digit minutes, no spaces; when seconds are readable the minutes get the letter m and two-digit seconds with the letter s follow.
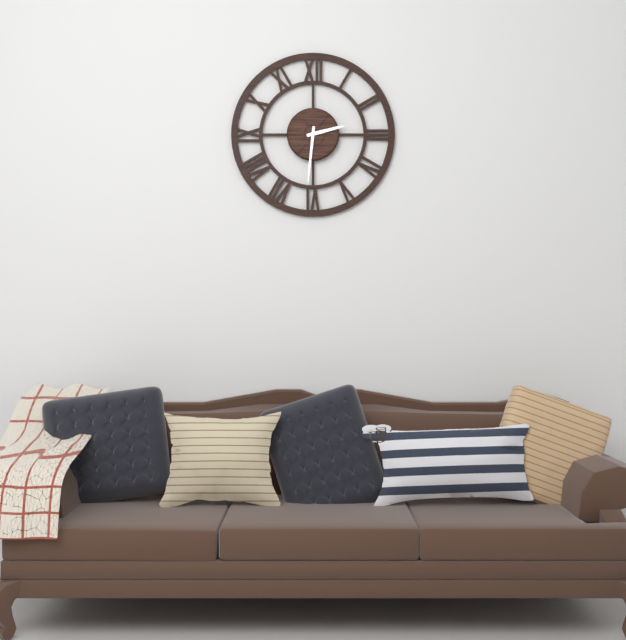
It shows 2h31
